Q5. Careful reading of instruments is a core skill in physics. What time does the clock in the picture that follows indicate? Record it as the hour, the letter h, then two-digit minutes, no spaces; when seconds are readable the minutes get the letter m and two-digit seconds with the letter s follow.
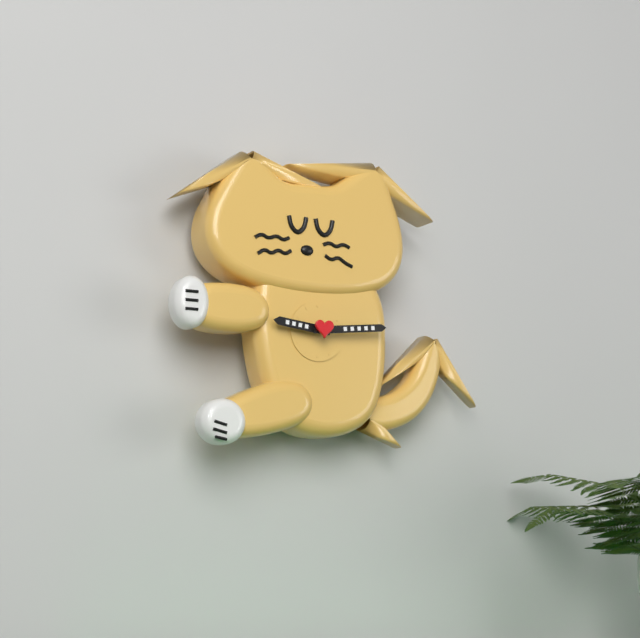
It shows 9h14
